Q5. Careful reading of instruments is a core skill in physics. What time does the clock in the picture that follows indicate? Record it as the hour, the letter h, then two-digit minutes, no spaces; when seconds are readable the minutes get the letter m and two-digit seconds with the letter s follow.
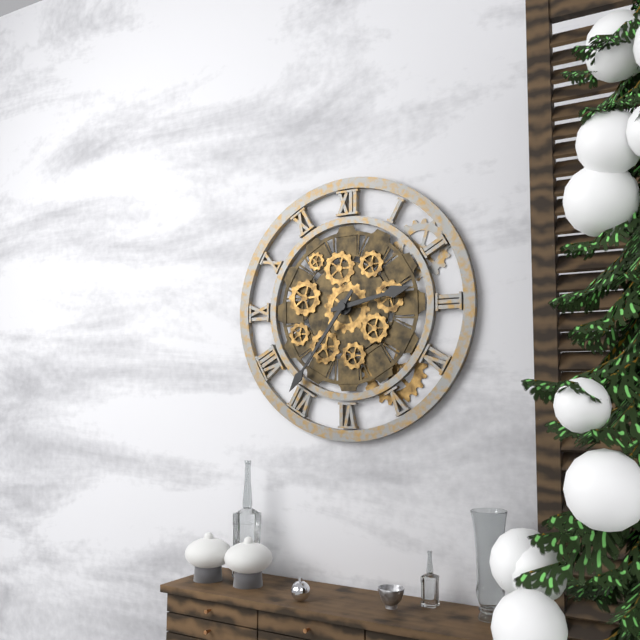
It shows 2h36
